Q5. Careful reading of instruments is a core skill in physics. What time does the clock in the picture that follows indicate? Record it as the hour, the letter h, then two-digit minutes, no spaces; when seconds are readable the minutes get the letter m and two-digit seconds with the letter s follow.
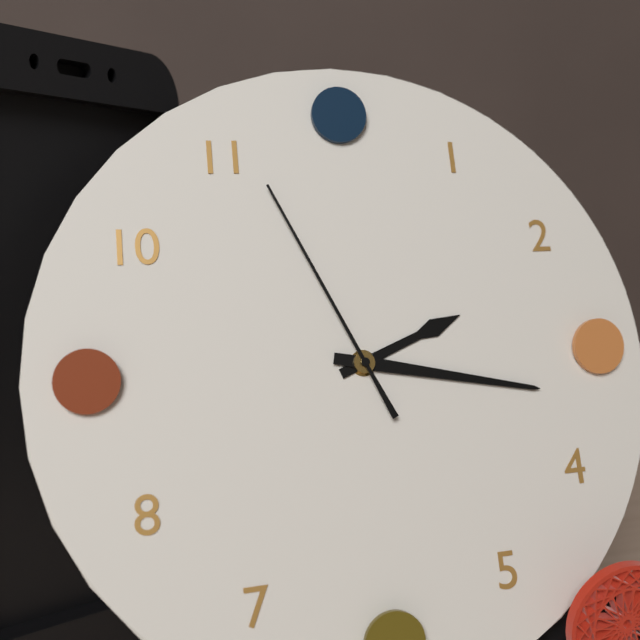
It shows 2h17m56s
